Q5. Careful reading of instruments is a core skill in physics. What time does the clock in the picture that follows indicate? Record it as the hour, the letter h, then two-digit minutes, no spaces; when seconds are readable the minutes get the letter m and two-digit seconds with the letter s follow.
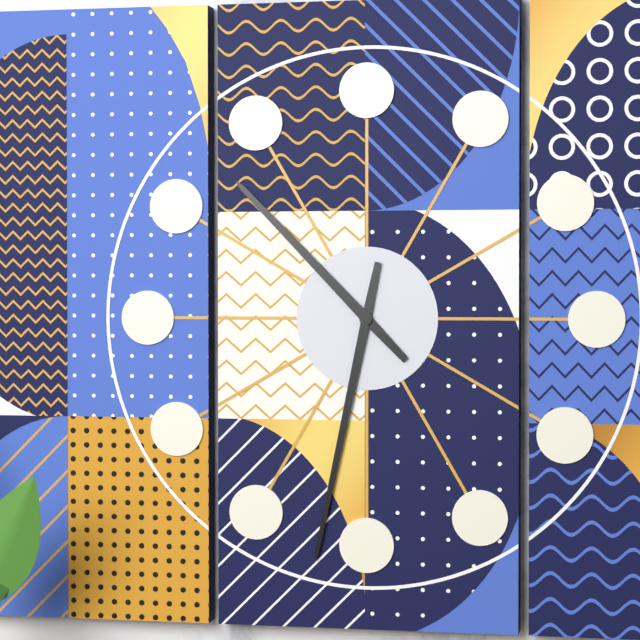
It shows 10h32
